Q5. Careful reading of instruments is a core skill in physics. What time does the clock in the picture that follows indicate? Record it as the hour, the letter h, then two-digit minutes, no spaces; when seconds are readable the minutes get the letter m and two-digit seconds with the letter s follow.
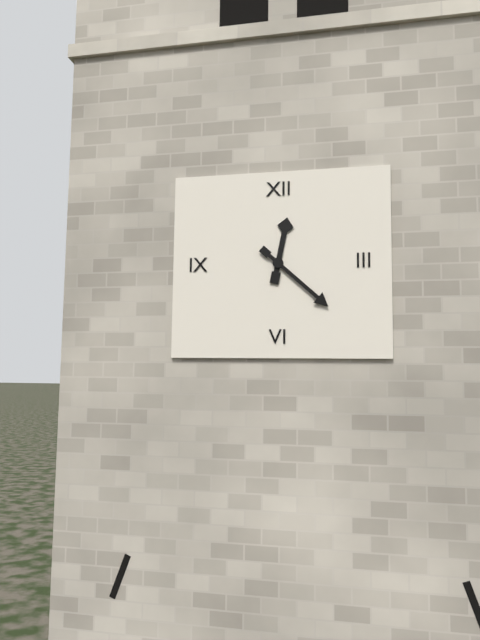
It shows 12h22
